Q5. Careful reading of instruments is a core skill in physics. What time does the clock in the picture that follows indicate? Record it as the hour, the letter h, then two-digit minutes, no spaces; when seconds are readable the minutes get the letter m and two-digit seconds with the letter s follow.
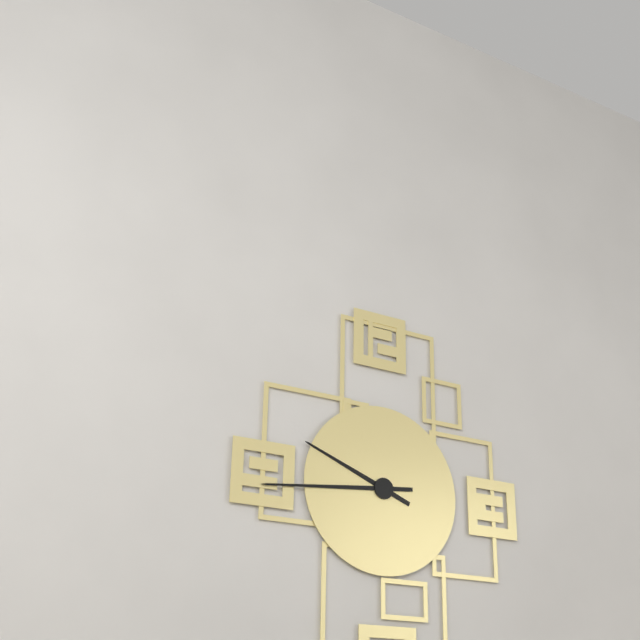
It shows 9h44
